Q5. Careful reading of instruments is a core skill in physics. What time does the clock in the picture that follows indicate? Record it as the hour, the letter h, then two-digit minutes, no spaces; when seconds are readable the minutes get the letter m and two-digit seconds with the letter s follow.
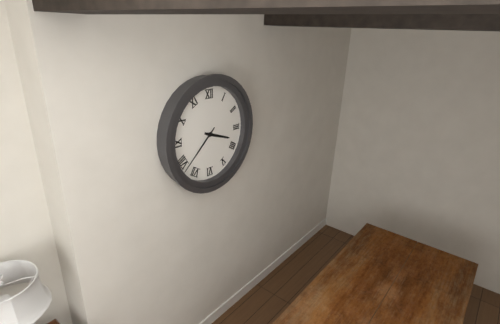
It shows 3h38
